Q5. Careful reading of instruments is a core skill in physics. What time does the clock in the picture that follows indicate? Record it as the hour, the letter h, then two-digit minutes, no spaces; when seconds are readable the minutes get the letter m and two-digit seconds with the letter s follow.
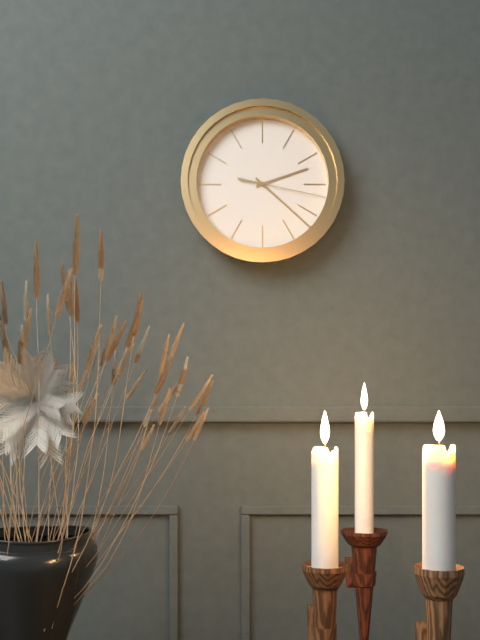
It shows 2h22m17s
